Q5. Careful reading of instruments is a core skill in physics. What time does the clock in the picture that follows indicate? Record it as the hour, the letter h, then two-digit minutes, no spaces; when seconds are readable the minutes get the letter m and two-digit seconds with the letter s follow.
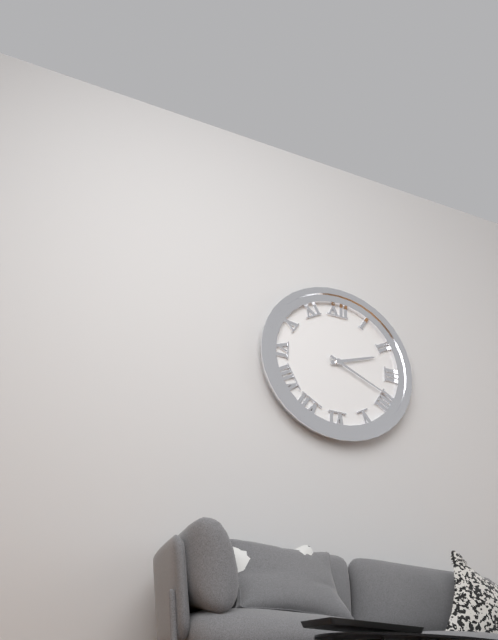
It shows 2h19
